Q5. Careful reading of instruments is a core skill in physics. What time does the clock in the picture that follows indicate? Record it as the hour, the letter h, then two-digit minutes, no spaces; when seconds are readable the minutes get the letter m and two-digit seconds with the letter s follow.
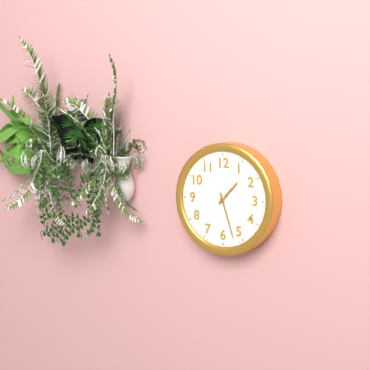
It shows 1h27
